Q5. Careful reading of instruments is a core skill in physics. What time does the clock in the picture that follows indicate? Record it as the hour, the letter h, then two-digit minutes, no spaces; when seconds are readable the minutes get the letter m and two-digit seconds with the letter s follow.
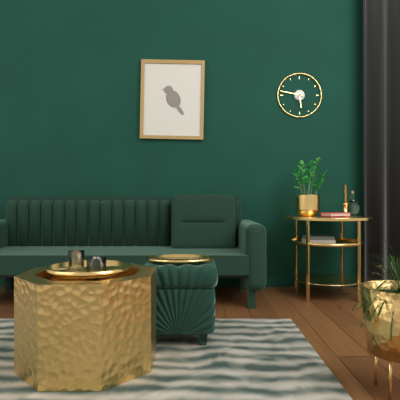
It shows 5h47
